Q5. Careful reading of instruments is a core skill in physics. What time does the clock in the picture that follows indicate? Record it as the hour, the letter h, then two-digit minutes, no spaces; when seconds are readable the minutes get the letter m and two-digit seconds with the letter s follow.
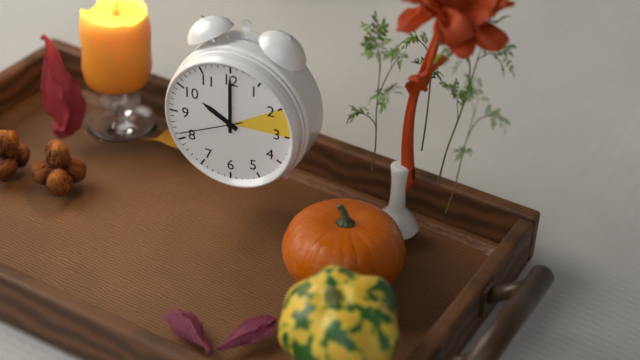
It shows 10h00m41s
